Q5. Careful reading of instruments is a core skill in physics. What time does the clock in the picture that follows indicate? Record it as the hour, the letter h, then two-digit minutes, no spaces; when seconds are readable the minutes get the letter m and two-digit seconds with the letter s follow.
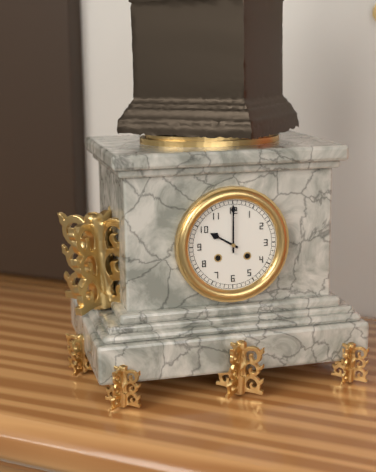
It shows 10h00
